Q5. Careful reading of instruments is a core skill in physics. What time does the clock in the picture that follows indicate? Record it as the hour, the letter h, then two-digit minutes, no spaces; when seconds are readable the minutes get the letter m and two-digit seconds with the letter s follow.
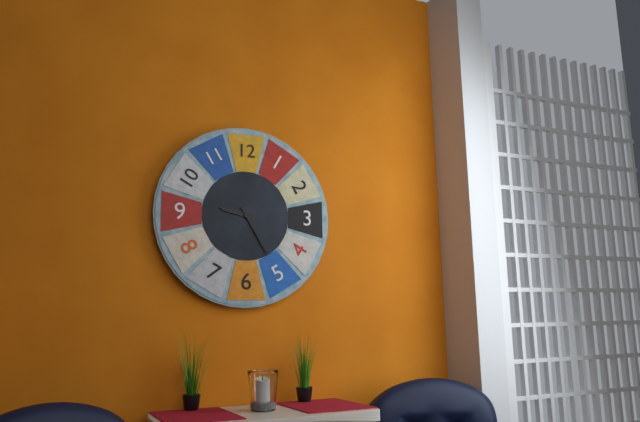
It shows 9h25
